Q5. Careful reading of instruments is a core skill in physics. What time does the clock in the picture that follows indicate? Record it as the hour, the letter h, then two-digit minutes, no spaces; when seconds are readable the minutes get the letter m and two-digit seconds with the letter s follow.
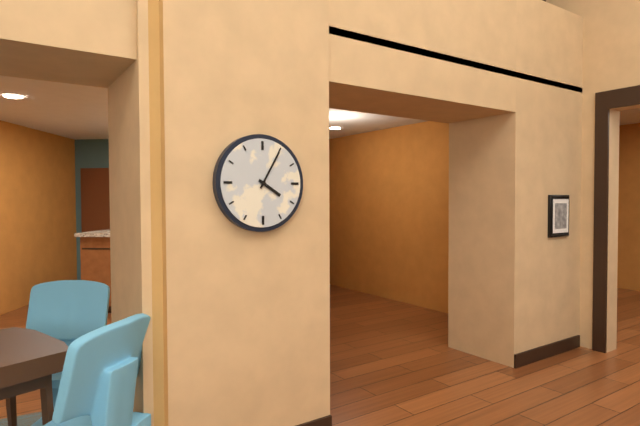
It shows 4h05
